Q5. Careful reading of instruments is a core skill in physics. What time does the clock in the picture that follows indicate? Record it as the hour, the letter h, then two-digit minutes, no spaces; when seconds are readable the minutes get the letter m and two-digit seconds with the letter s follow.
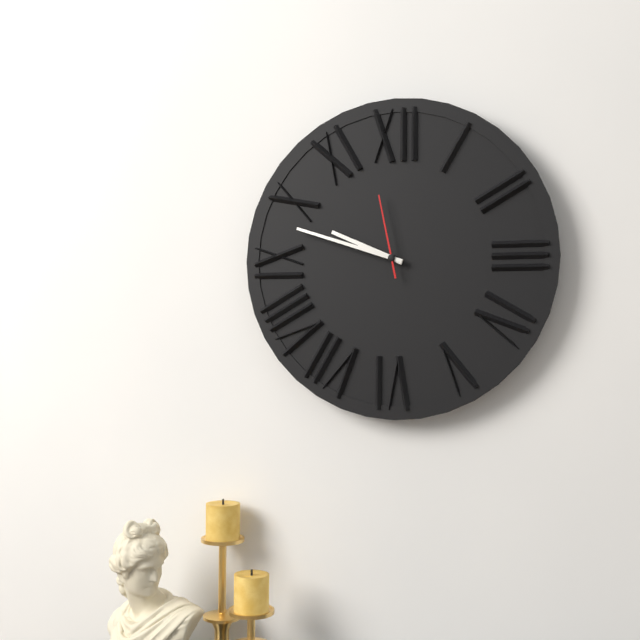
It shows 9h48m58s
